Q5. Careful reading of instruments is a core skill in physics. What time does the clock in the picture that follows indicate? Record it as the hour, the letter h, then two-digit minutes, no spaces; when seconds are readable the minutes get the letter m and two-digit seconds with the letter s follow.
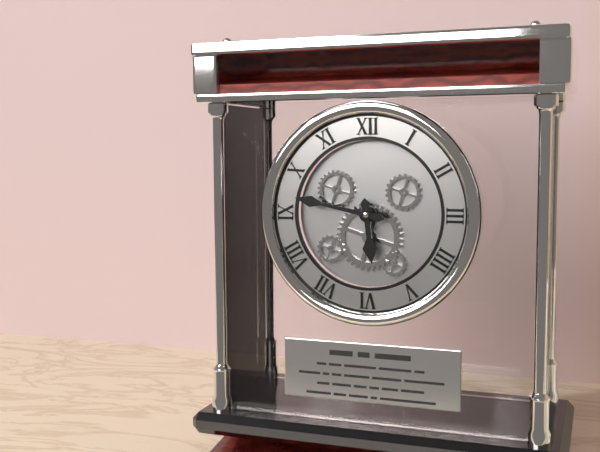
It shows 5h47
